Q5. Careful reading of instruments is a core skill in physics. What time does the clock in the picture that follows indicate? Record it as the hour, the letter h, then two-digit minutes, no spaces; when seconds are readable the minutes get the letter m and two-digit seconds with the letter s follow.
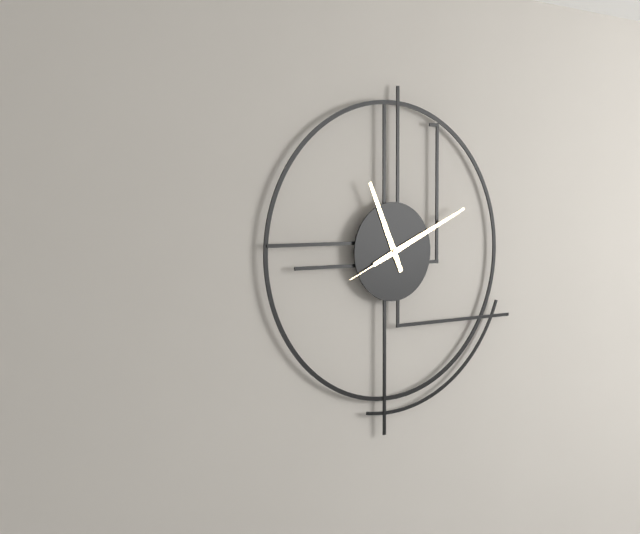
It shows 11h11m41s
